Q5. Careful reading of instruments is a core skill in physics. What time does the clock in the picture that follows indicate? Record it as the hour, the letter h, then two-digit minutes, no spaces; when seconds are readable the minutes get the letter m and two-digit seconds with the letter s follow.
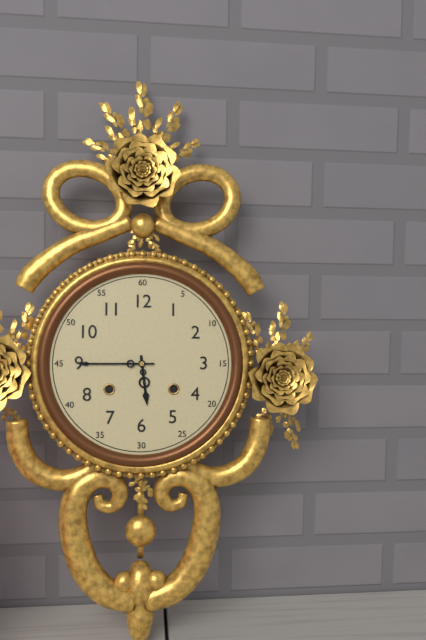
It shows 5h45
